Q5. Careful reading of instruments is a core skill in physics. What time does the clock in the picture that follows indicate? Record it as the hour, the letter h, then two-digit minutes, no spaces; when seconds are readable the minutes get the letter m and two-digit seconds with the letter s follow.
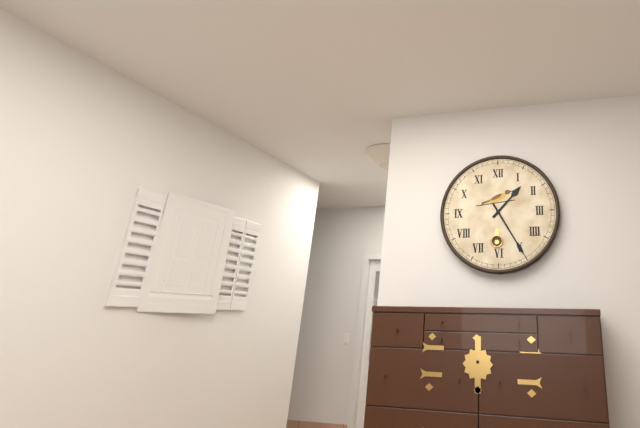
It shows 1h25
